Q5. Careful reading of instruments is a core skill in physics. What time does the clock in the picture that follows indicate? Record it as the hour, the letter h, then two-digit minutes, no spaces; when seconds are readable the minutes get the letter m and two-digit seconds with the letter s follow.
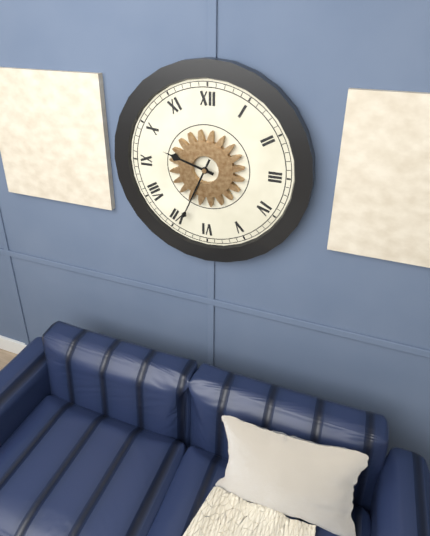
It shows 9h34
